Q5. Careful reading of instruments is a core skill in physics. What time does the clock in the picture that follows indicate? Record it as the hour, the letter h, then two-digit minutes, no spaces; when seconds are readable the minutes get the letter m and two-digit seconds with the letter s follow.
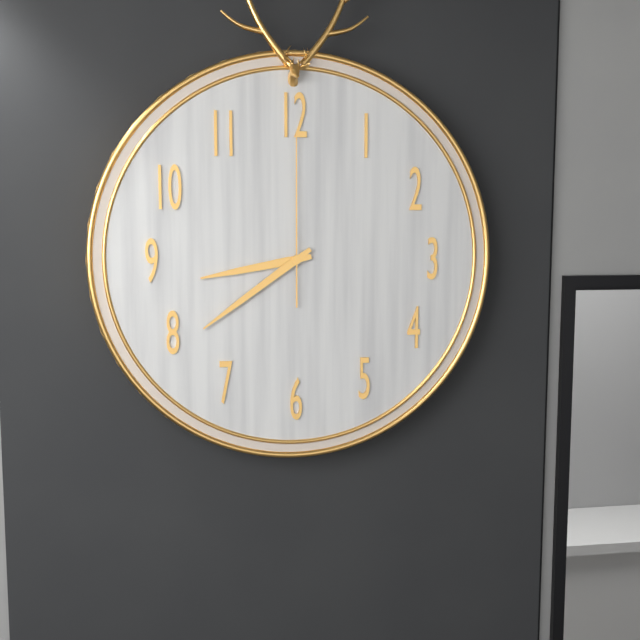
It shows 8h39m00s
